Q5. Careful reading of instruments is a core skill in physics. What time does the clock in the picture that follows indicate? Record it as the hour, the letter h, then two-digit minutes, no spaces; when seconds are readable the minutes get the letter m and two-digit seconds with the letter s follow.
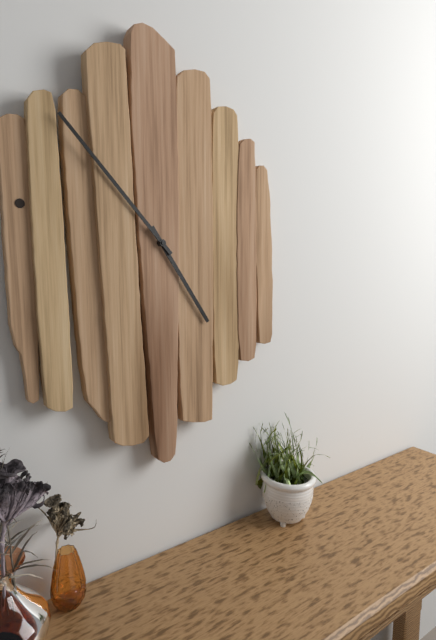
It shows 4h53
